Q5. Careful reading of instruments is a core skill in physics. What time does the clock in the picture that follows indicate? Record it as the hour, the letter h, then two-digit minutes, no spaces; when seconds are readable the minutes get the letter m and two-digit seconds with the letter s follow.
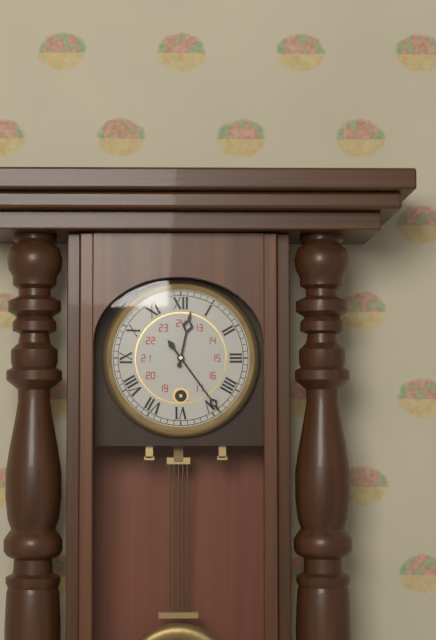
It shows 12h24
